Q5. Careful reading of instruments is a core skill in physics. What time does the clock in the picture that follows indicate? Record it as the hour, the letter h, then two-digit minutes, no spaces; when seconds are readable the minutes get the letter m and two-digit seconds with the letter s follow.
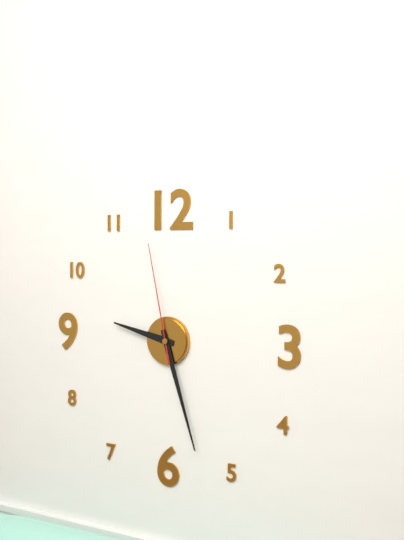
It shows 9h27m58s
